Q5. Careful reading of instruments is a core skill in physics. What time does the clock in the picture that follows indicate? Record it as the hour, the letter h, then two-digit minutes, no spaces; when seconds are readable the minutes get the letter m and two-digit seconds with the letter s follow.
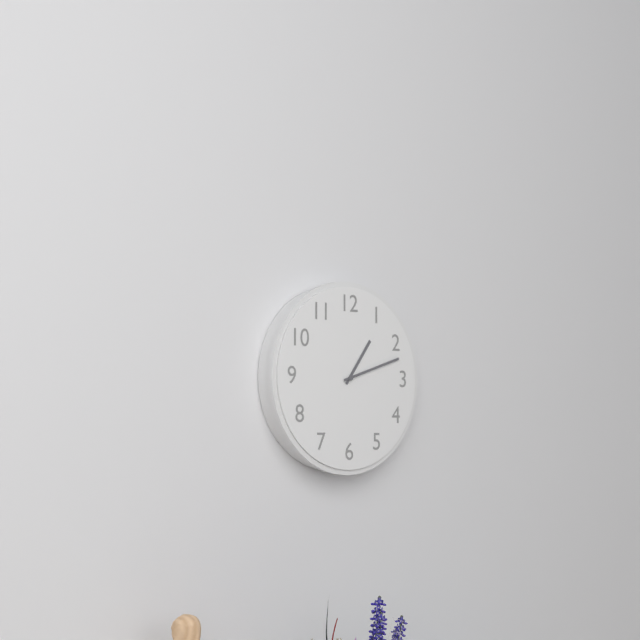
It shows 1h12
